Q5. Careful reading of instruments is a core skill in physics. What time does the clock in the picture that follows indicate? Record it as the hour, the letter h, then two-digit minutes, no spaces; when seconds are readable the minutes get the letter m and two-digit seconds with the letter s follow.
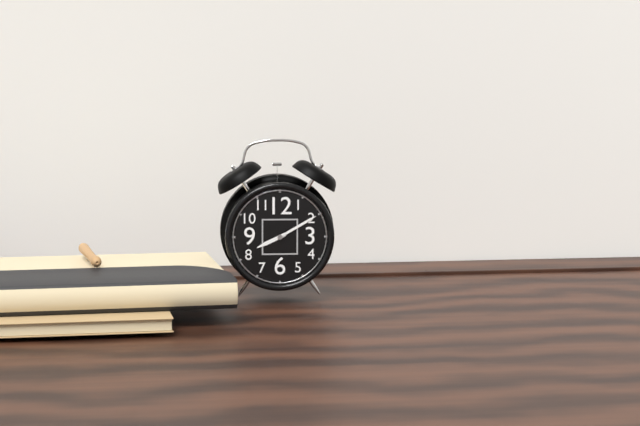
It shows 8h10
